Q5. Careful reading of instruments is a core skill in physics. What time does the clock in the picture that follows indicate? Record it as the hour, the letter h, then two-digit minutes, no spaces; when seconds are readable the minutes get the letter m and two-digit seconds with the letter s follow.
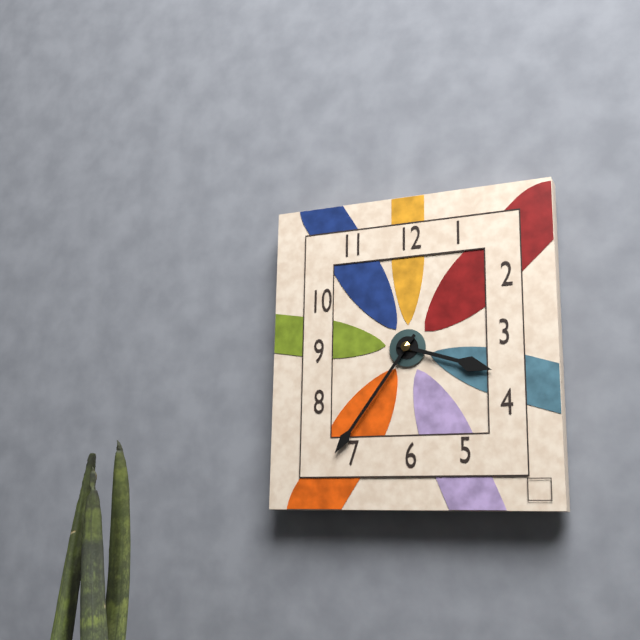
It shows 3h36
